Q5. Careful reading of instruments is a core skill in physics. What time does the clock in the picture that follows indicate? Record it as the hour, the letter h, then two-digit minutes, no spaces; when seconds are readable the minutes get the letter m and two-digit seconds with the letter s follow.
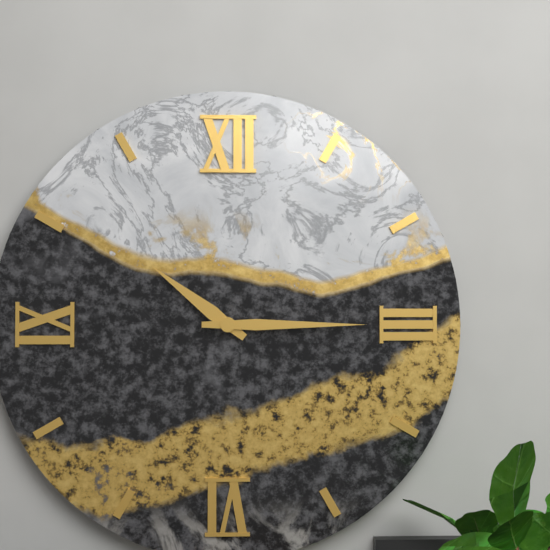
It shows 10h15
